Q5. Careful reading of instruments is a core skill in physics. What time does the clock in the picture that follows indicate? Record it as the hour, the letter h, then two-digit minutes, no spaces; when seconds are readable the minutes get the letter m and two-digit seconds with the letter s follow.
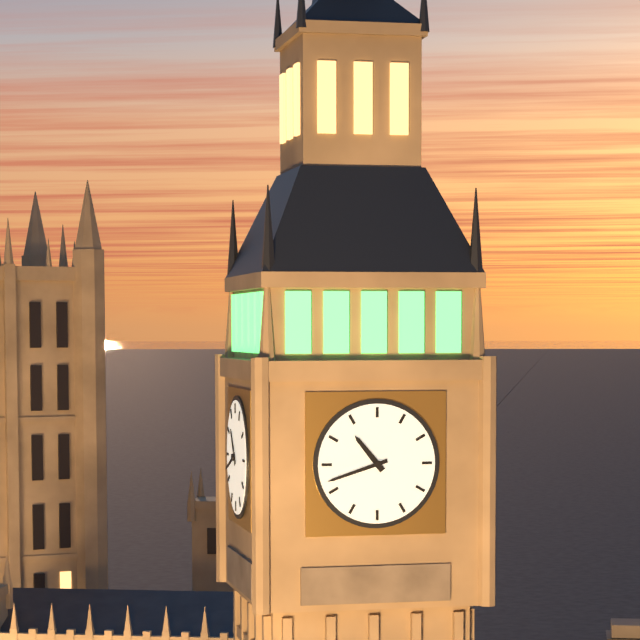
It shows 10h42
